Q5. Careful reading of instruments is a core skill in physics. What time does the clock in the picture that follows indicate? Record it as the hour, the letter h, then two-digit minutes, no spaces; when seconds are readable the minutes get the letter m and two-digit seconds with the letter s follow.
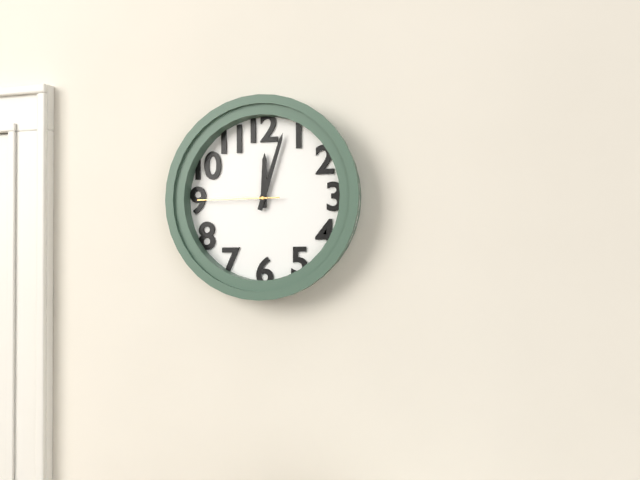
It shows 12h03m45s
